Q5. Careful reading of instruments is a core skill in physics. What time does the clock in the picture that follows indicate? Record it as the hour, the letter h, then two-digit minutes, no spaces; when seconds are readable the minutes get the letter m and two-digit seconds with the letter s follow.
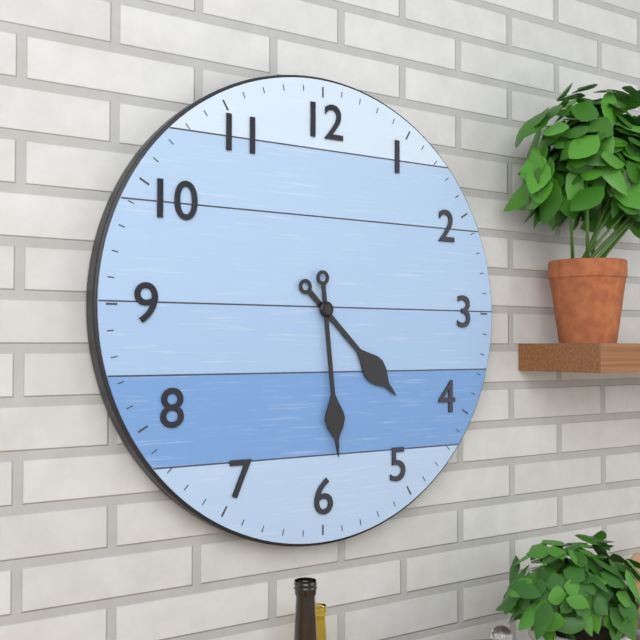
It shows 4h29
